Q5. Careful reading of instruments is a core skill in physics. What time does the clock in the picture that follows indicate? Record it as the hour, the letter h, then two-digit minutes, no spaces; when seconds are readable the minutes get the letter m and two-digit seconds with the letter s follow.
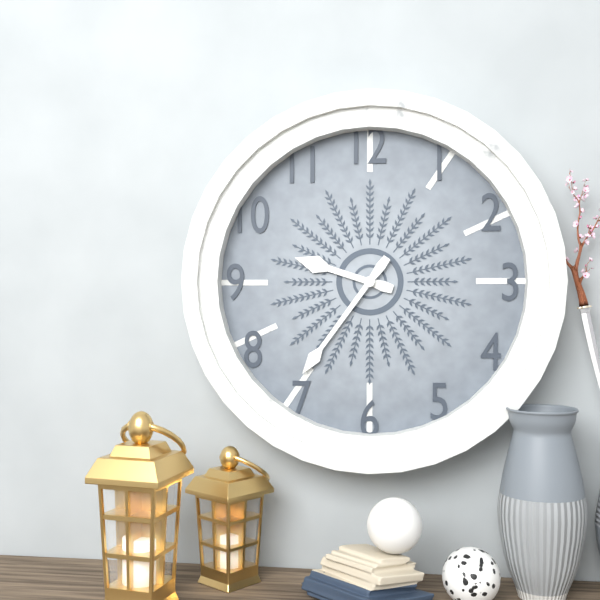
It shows 9h36
